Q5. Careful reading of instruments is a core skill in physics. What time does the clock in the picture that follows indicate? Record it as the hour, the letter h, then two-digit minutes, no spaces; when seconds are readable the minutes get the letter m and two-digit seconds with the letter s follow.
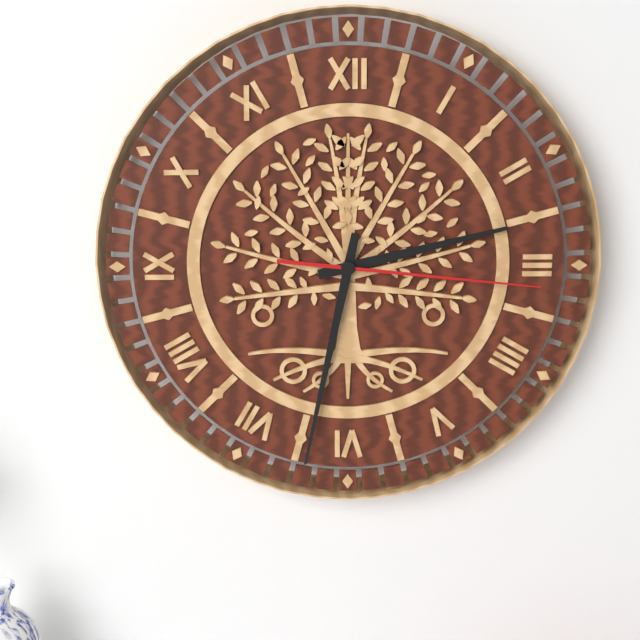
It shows 2h32m16s
